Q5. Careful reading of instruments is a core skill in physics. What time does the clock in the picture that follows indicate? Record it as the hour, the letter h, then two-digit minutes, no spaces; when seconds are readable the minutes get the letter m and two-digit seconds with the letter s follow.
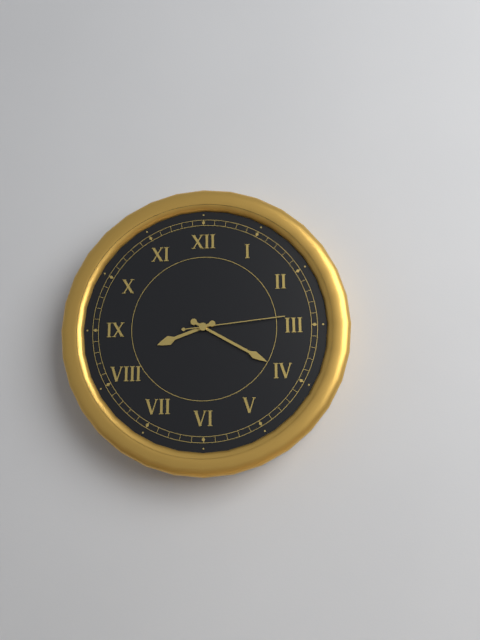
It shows 8h20m14s
